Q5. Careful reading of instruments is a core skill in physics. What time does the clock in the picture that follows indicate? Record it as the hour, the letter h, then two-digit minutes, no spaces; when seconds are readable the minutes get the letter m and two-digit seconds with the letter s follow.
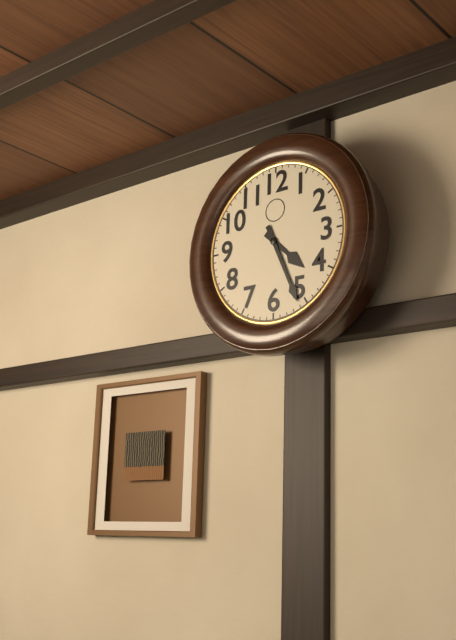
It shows 4h26
